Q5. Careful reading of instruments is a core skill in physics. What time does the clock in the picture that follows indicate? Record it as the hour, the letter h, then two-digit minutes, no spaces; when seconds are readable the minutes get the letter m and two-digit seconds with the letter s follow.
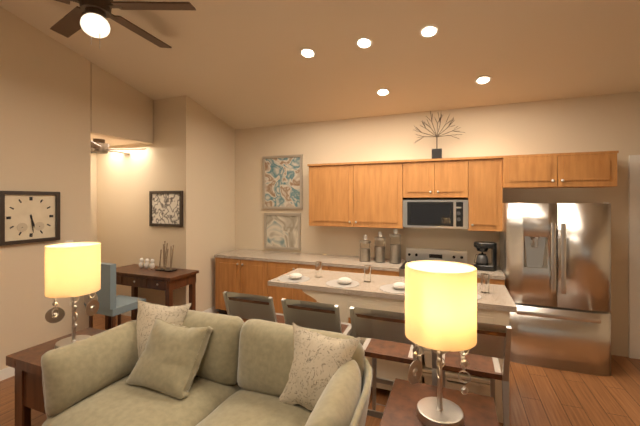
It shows 5h29
